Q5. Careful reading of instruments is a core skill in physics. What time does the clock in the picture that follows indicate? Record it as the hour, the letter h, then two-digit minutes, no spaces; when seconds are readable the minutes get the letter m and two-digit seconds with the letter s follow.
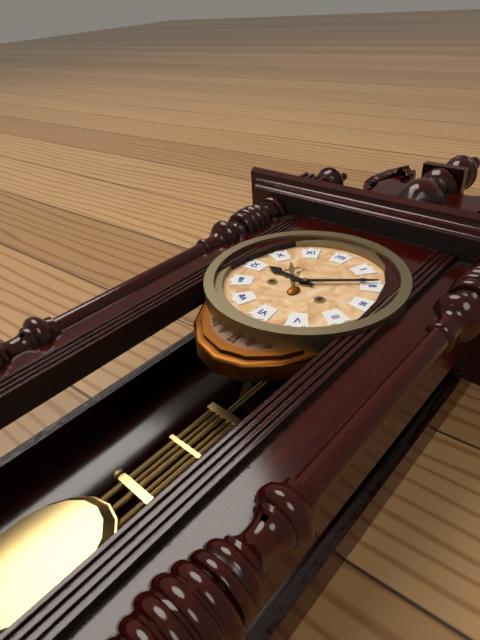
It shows 9h09
